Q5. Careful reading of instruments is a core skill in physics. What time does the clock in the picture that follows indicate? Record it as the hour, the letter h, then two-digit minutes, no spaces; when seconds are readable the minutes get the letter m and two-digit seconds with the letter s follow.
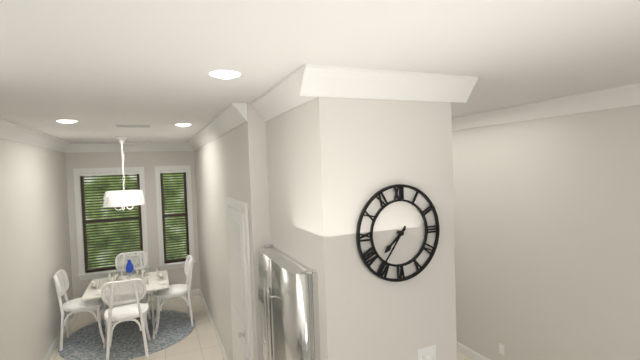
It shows 7h36
